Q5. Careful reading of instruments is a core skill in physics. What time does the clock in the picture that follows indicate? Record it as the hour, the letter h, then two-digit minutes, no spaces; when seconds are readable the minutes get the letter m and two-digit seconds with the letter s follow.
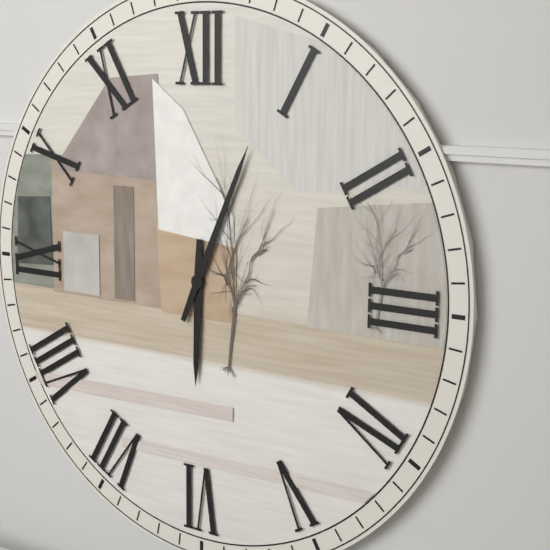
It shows 6h04
